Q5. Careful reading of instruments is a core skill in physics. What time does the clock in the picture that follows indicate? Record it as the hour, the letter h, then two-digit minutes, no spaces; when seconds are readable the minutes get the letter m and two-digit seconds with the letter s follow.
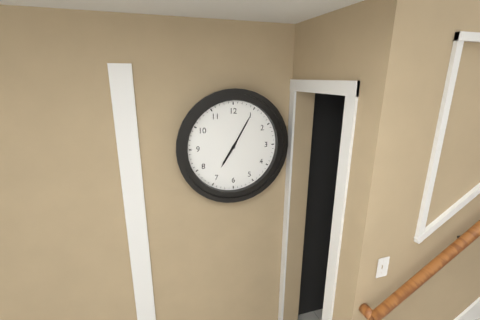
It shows 7h05
